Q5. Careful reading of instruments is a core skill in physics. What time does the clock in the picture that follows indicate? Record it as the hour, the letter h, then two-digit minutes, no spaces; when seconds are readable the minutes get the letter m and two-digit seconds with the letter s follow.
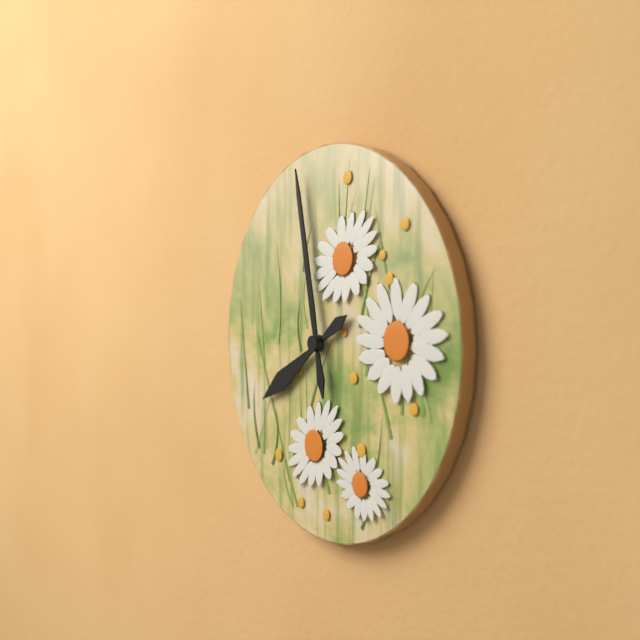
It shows 7h58
